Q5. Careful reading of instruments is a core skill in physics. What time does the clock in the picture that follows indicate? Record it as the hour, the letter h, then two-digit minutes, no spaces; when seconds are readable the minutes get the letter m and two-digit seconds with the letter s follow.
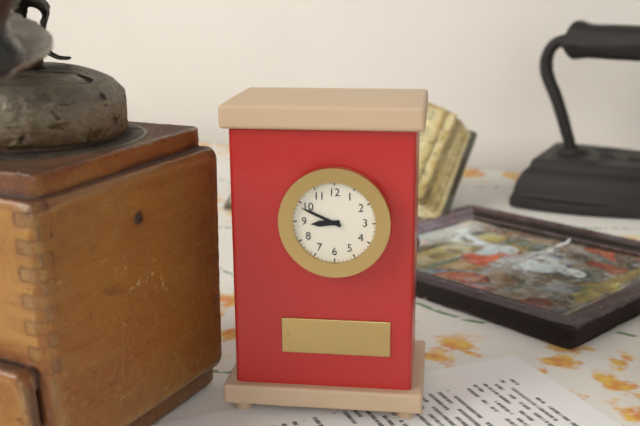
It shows 8h49
